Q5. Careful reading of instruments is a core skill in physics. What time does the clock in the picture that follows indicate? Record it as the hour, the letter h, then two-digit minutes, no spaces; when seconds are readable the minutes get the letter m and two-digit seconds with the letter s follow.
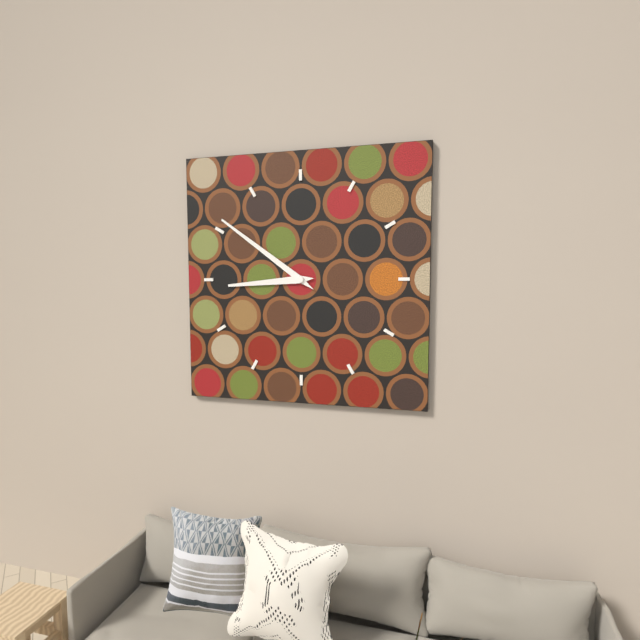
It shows 8h51
